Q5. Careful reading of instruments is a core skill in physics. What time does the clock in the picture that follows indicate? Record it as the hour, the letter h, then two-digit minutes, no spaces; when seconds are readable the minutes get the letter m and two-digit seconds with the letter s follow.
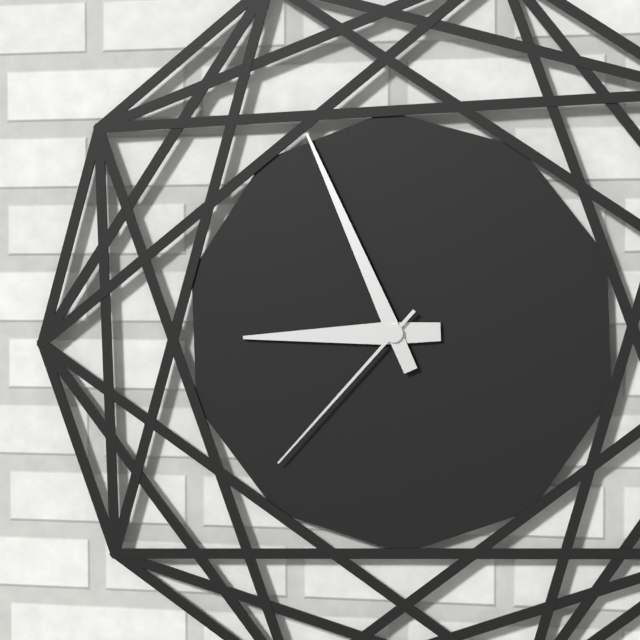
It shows 8h56m37s
